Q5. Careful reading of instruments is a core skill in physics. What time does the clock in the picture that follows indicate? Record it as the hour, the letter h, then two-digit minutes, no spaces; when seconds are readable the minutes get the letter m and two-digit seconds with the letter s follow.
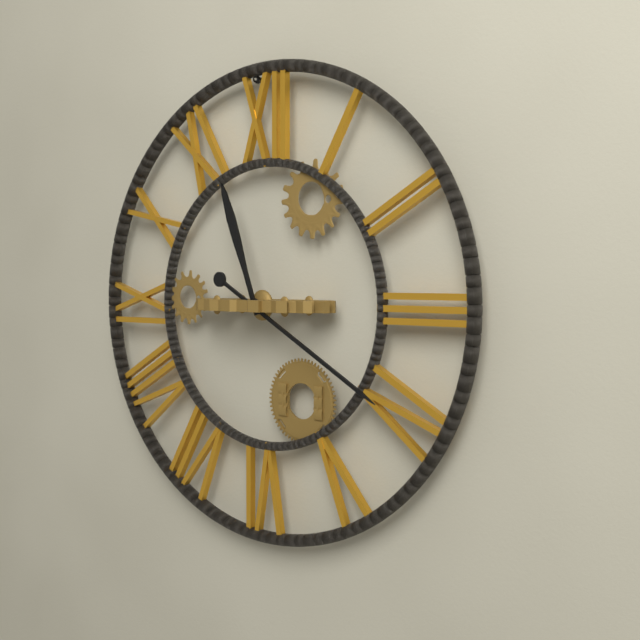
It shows 11h20
